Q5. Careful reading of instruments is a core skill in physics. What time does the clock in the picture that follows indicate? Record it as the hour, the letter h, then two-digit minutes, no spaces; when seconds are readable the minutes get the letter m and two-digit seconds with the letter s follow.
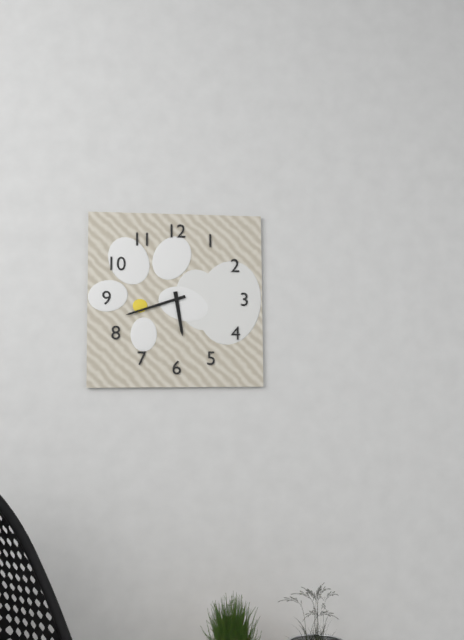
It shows 5h42
